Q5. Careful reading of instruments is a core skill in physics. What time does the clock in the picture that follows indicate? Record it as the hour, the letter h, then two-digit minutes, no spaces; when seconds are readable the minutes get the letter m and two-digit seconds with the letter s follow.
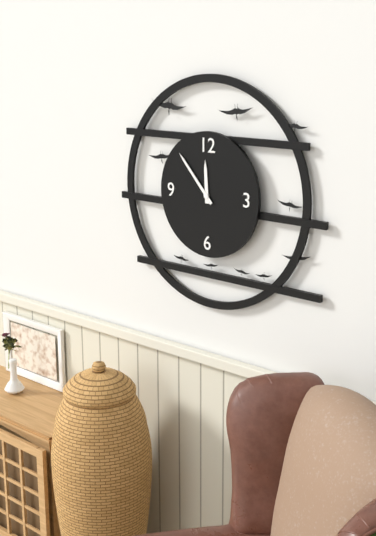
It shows 11h53
